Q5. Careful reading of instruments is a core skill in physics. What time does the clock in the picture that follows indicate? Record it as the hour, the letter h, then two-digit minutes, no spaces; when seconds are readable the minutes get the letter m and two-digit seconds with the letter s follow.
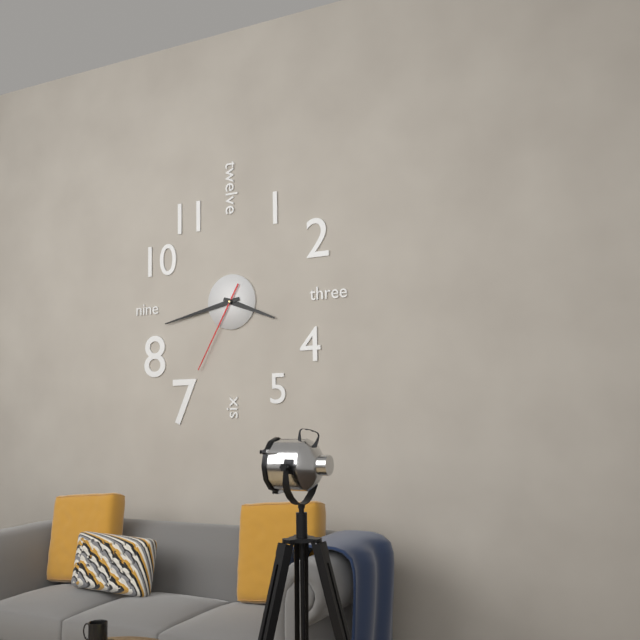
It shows 3h43m35s
